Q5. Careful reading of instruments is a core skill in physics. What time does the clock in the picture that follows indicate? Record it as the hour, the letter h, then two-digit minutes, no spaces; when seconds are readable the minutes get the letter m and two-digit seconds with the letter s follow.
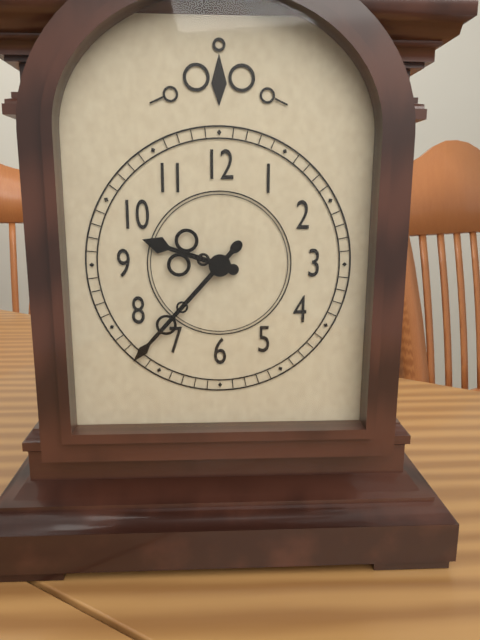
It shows 9h37
